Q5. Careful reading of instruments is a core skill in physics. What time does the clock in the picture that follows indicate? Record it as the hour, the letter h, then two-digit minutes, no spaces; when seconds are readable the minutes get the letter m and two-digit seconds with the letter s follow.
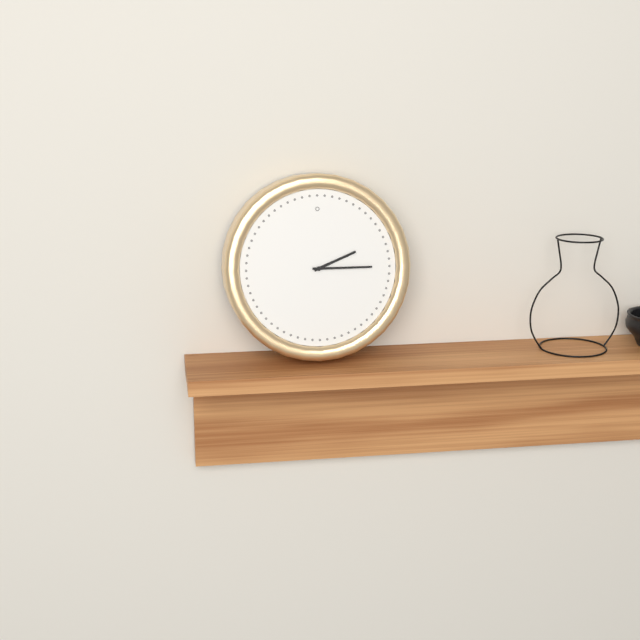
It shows 2h15
